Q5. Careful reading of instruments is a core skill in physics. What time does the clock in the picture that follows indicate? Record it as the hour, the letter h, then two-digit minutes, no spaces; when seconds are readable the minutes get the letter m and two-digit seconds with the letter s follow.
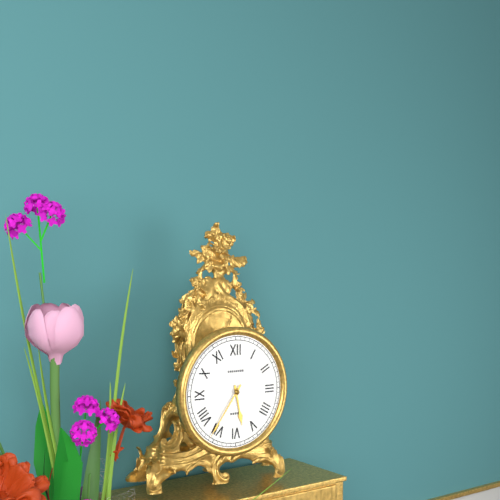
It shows 5h36
